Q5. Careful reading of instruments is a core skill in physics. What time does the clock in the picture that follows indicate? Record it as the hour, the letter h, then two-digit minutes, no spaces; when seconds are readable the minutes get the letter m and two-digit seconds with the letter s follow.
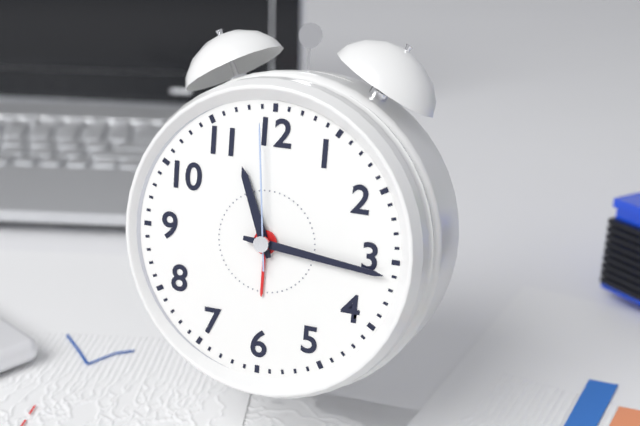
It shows 11h16m59s
